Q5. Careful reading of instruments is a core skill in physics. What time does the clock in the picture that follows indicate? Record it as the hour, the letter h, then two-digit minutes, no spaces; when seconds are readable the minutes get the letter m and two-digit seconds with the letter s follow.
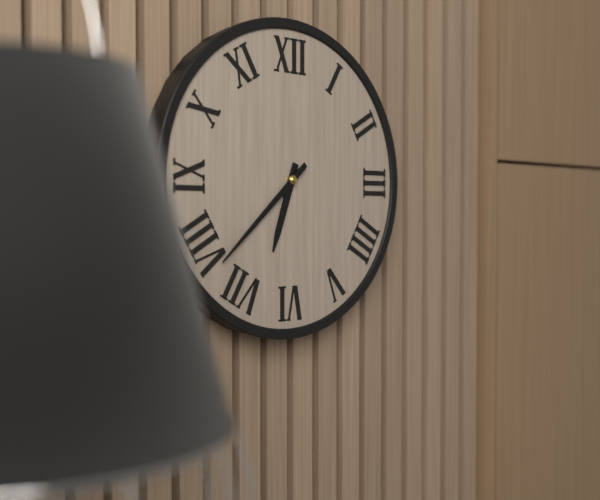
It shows 6h38
